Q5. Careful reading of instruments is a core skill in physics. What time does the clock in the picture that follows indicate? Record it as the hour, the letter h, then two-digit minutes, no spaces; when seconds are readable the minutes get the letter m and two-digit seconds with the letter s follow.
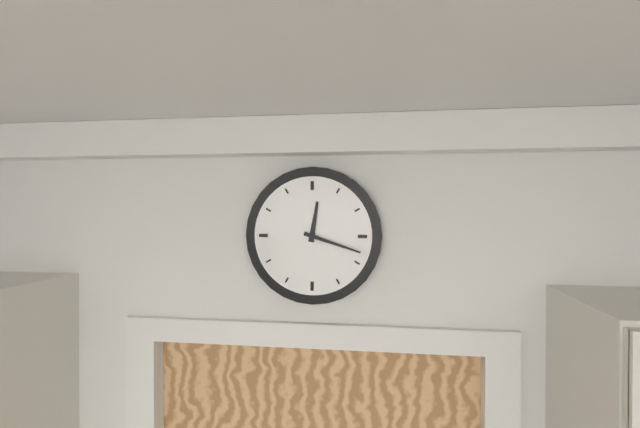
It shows 12h18
